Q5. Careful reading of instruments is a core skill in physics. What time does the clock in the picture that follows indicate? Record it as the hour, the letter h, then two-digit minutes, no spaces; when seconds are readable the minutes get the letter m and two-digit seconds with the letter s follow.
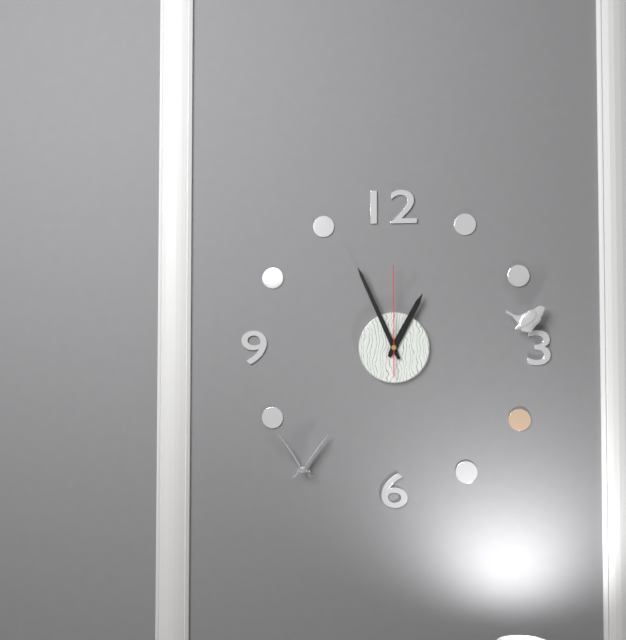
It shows 12h56m00s
